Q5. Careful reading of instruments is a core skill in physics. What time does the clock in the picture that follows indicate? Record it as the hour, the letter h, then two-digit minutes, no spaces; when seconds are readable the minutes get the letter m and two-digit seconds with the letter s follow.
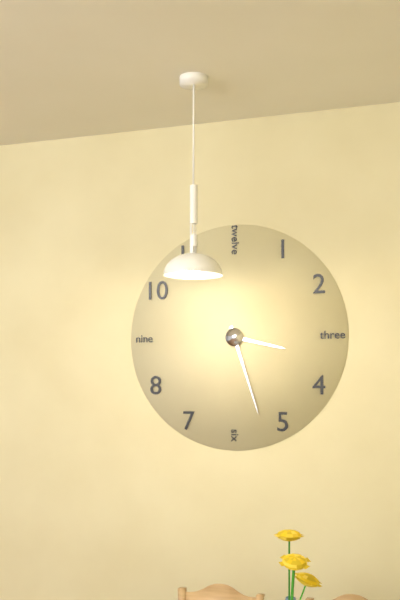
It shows 3h27
